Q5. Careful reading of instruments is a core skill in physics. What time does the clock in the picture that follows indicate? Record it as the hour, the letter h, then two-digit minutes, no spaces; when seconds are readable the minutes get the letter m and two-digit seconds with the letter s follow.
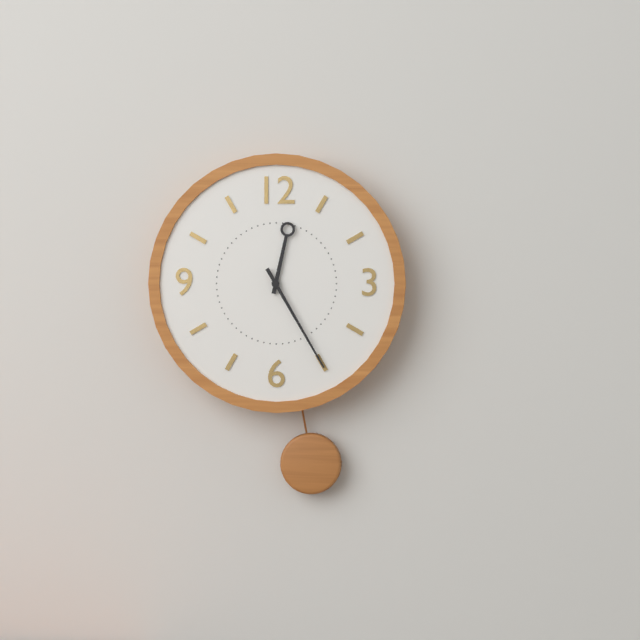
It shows 12h25
